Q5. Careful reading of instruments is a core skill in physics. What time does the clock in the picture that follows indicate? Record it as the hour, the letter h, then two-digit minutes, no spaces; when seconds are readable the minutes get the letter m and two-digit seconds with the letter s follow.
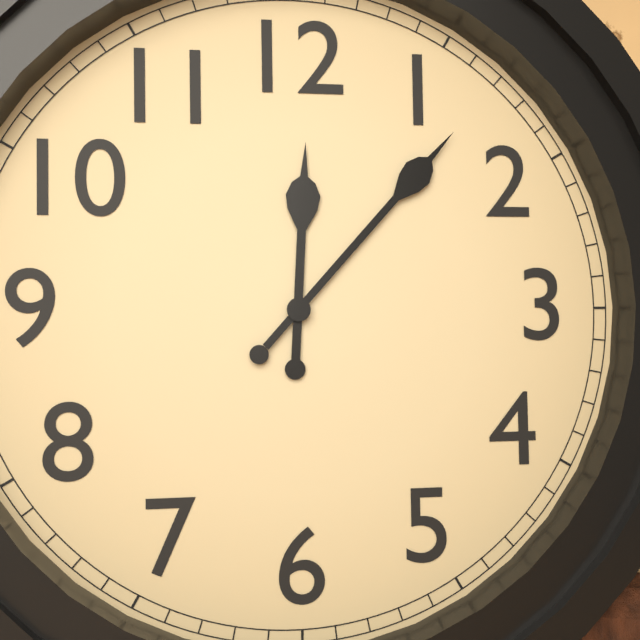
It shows 12h07
